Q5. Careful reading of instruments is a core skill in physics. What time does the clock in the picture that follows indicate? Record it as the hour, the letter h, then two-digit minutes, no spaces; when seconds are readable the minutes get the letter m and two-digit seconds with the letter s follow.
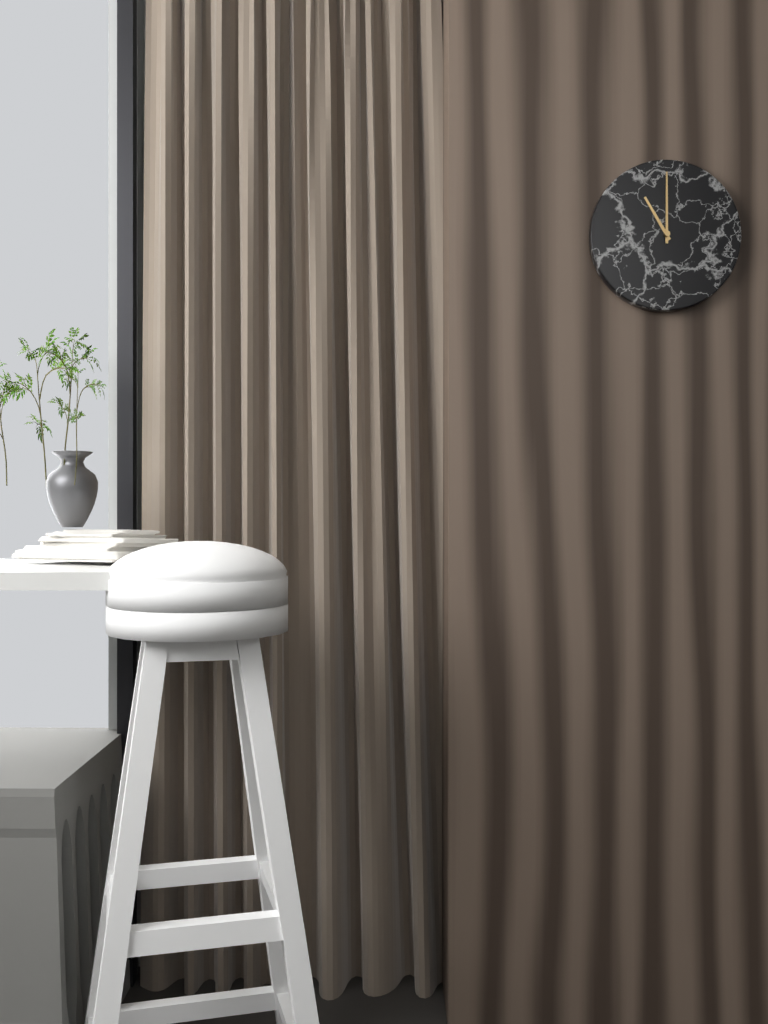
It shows 11h00
